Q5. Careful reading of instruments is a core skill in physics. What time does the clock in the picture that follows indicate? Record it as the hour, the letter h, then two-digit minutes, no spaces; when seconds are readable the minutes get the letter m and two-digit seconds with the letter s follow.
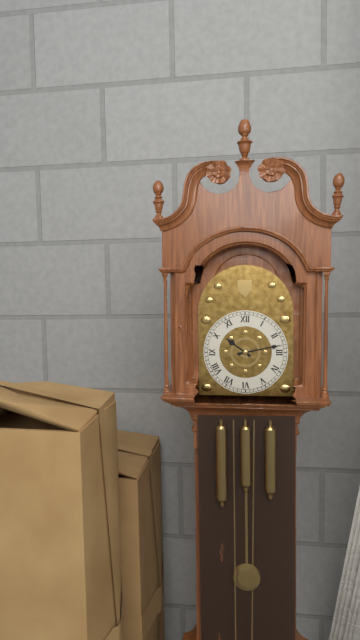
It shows 10h13
